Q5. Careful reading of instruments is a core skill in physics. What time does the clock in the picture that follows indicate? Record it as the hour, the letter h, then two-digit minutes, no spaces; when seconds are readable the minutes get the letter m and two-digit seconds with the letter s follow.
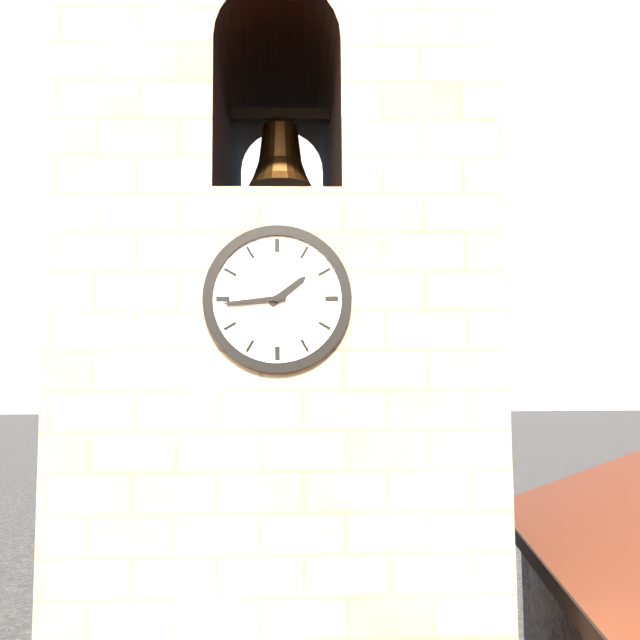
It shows 1h44
